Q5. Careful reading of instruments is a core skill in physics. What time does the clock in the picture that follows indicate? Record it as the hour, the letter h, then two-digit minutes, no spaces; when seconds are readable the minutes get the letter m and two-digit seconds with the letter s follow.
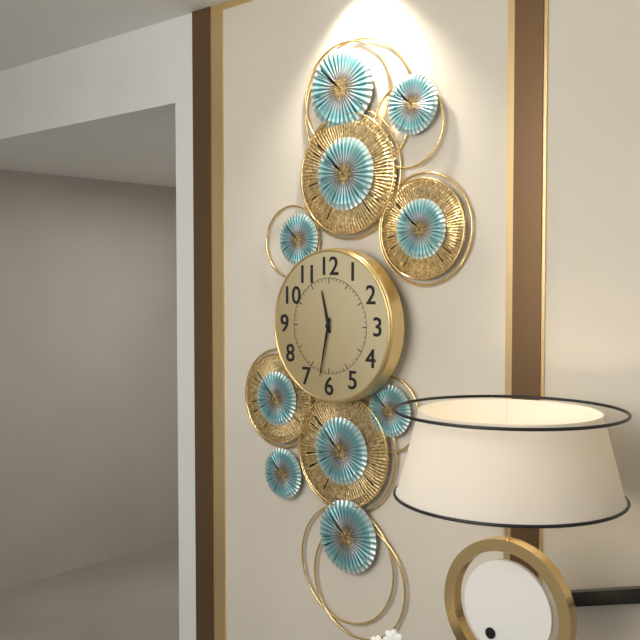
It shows 11h32
